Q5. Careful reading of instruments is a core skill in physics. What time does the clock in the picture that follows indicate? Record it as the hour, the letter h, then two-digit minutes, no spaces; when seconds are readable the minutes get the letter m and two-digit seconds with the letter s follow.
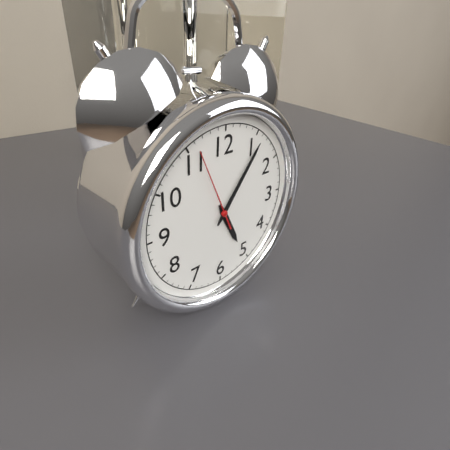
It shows 5h06m56s
